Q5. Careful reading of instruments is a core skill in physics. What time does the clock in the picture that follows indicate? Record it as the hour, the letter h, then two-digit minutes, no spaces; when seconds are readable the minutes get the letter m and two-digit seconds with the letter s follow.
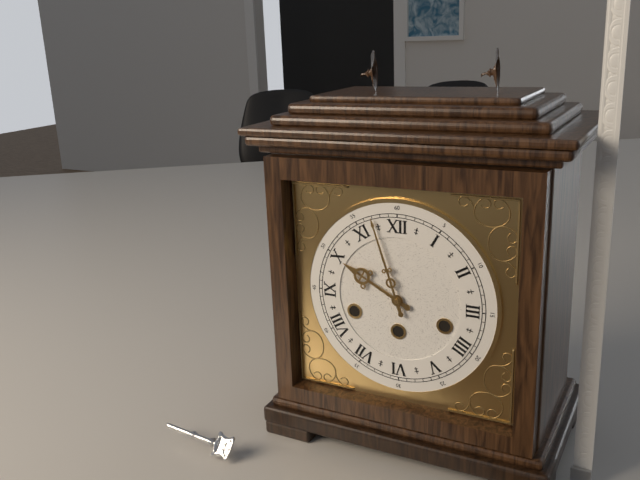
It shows 9h57
